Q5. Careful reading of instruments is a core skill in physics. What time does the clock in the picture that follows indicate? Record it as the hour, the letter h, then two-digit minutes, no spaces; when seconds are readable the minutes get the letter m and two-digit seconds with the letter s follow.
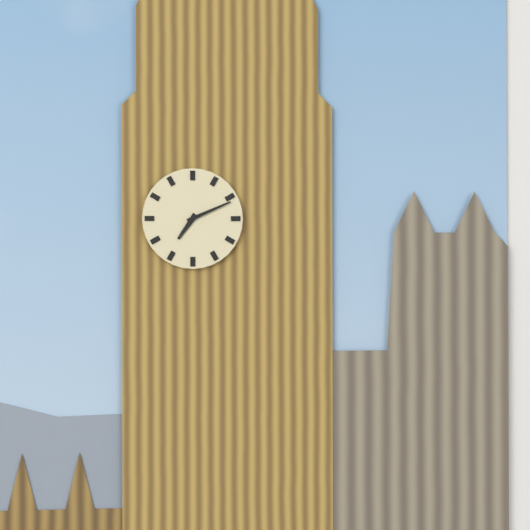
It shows 7h11
